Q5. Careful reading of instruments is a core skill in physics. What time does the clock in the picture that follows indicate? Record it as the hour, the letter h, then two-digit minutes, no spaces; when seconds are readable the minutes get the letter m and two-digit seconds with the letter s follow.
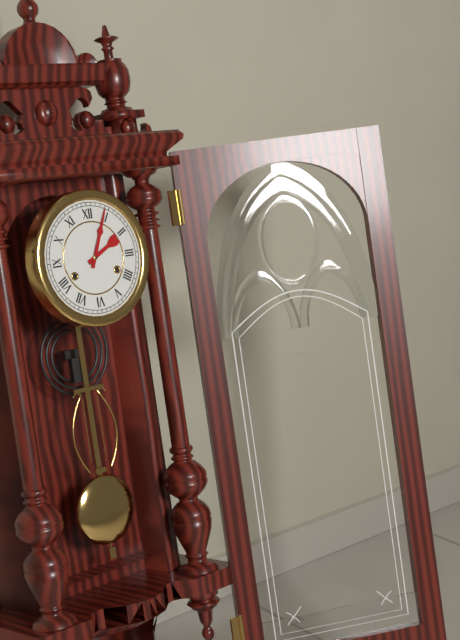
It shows 2h04
